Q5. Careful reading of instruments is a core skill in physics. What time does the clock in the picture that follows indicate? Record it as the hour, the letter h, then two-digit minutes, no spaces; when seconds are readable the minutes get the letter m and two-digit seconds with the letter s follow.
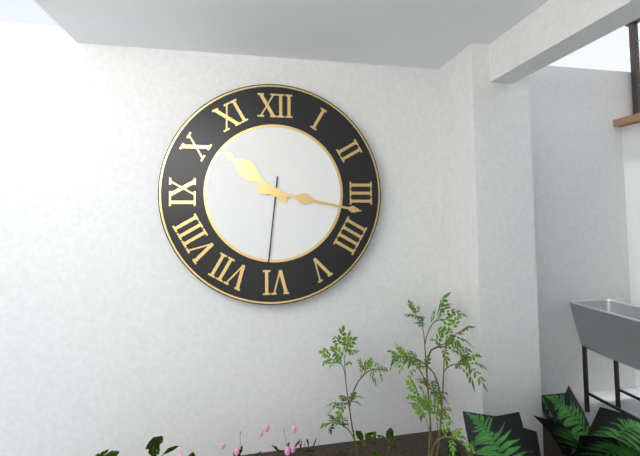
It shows 10h17m31s
